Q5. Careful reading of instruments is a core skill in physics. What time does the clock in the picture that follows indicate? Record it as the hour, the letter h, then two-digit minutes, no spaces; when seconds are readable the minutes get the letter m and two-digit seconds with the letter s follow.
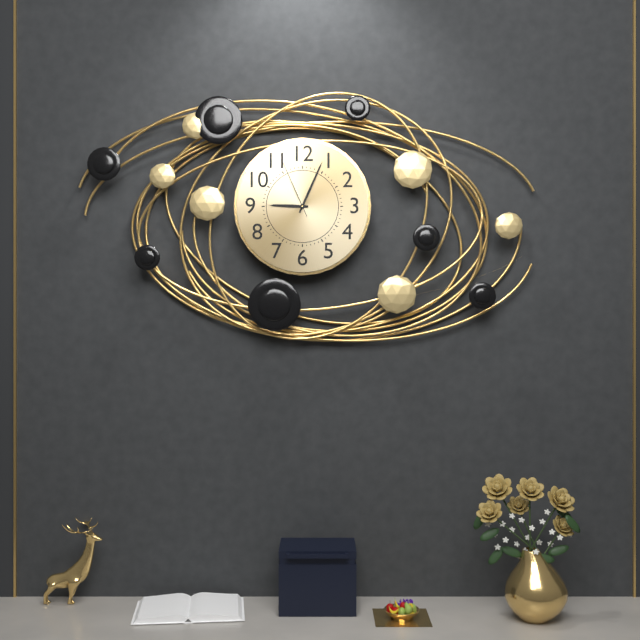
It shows 9h04m56s
